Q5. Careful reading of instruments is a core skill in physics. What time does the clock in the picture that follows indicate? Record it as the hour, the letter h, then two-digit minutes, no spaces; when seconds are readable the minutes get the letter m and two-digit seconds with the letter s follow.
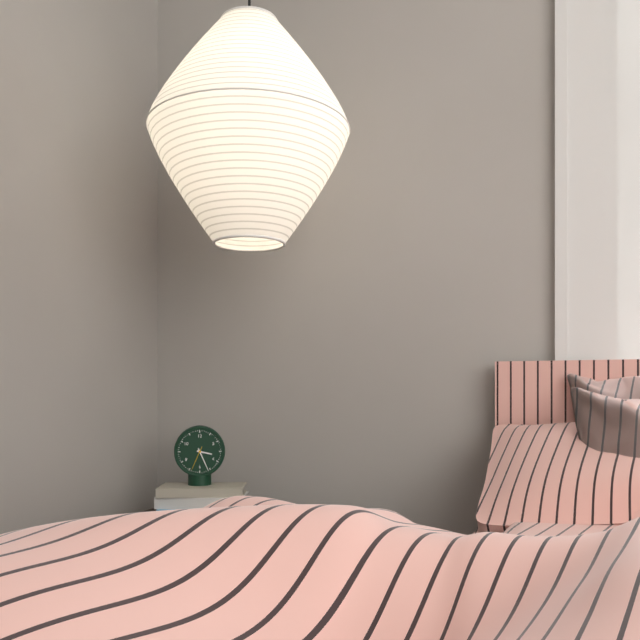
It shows 3h26
